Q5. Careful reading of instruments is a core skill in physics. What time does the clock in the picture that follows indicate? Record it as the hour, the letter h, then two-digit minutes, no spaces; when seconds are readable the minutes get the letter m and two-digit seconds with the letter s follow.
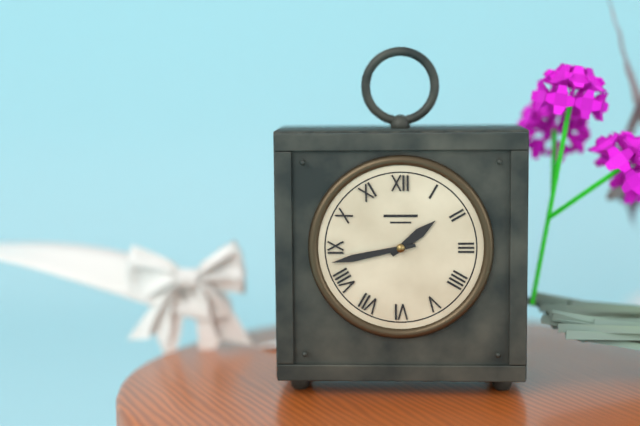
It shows 1h43
